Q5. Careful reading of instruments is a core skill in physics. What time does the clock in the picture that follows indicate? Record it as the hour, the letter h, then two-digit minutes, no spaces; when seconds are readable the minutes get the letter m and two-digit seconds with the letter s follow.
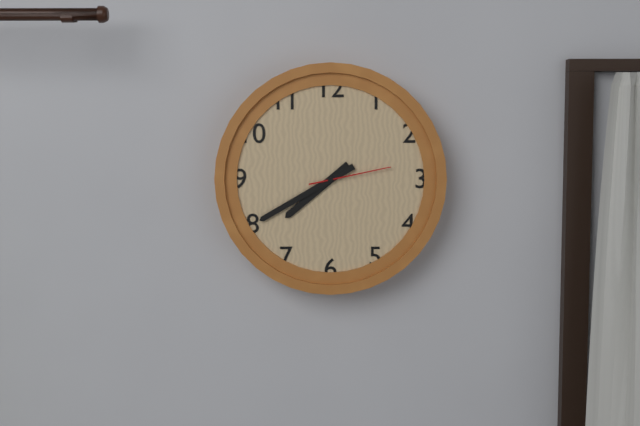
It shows 7h40m13s
